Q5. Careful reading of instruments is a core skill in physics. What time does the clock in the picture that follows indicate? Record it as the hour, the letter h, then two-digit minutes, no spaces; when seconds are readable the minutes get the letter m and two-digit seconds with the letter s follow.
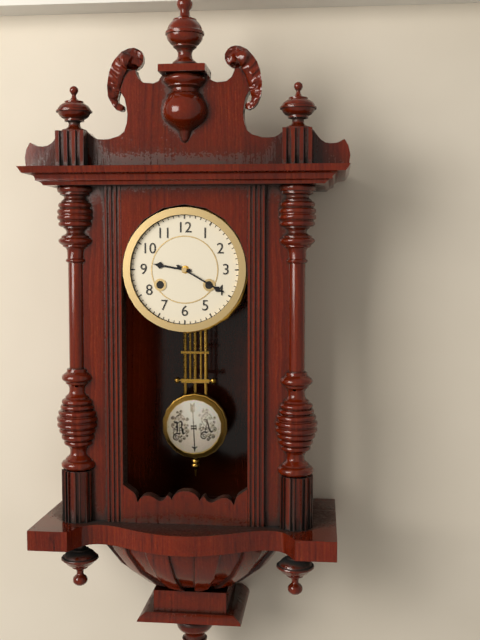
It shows 9h20
